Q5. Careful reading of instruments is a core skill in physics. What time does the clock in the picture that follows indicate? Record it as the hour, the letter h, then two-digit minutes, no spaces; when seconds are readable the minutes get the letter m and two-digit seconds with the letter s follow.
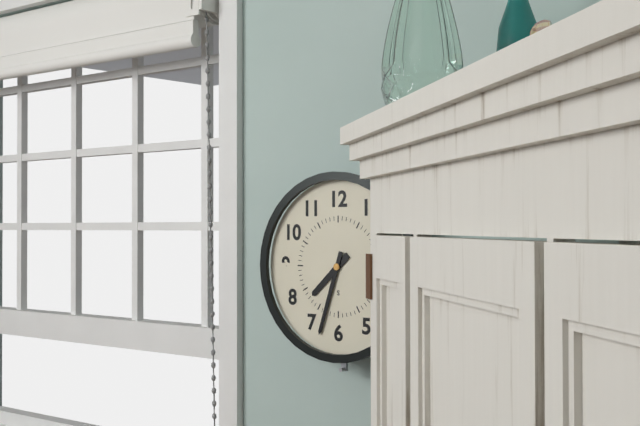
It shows 7h33
